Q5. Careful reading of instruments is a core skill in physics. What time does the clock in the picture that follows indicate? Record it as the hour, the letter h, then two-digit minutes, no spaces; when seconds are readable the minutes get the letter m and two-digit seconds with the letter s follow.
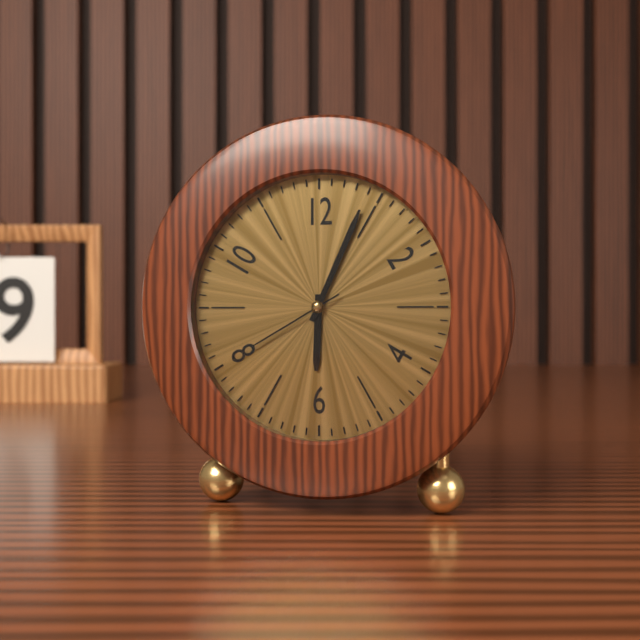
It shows 6h04m40s
